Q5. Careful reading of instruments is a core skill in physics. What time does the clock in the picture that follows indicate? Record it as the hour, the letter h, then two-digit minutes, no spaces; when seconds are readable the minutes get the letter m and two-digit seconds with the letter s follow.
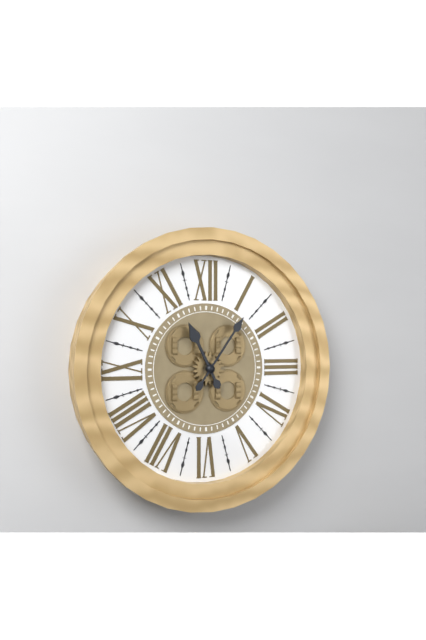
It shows 11h06
